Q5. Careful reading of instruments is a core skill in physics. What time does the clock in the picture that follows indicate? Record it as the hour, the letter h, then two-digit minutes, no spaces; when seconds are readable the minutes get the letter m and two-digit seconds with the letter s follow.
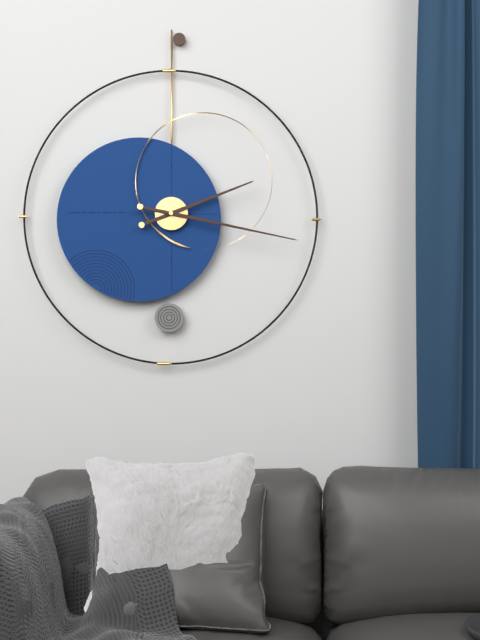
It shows 2h17
